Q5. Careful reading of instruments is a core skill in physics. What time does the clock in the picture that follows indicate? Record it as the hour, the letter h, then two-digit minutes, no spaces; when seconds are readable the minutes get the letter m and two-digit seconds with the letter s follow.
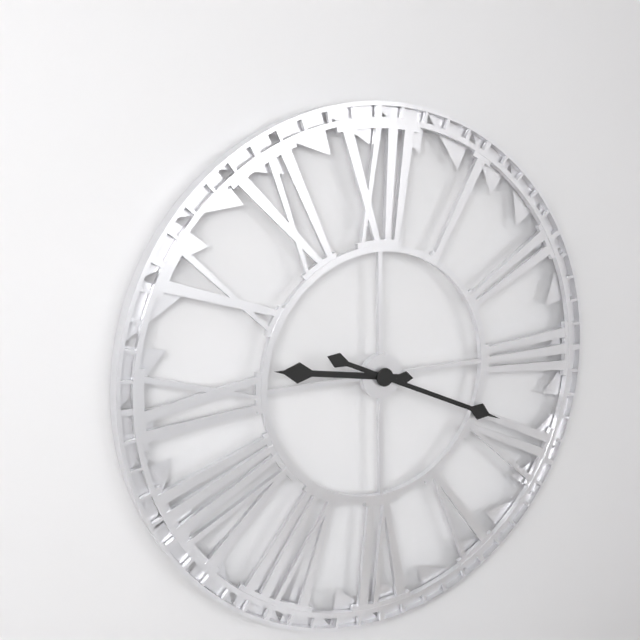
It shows 9h19
